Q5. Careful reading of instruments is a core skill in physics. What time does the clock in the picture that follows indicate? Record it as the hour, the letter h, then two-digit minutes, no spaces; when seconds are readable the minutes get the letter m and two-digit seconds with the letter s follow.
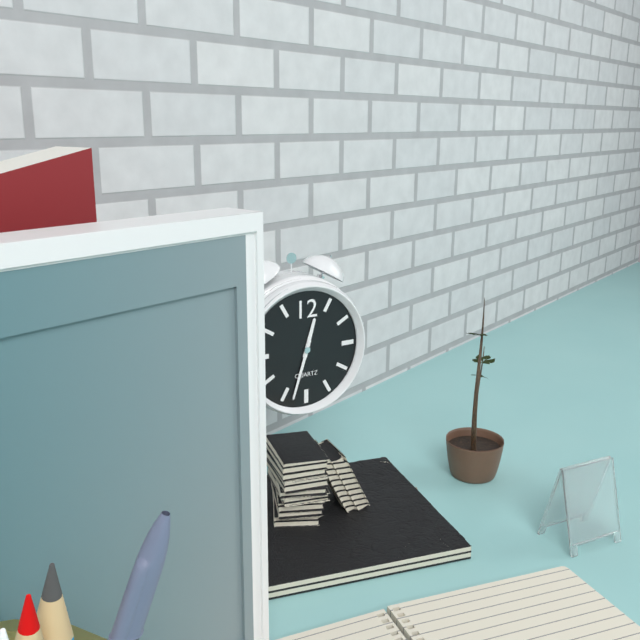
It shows 12h33
